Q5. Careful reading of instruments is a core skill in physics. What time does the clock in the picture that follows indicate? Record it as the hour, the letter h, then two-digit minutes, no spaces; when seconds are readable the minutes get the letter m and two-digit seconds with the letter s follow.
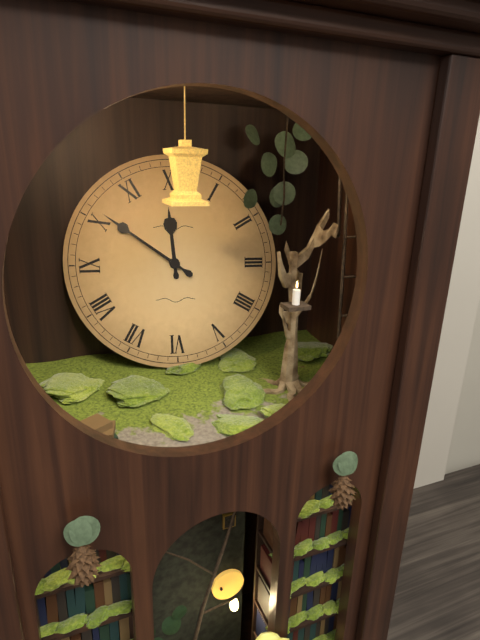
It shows 11h51
